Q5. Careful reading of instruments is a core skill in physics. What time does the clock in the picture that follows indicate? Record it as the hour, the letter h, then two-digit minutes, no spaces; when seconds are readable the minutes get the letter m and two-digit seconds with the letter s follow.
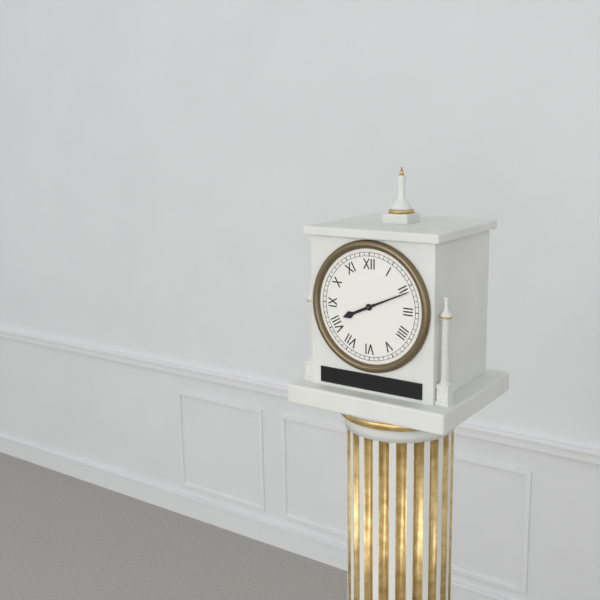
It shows 8h11
